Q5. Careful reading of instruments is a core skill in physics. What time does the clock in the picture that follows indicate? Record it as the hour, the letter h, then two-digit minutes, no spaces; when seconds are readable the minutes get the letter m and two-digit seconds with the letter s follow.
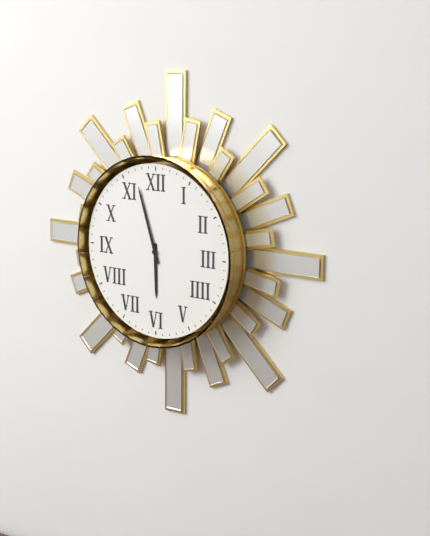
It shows 5h57
